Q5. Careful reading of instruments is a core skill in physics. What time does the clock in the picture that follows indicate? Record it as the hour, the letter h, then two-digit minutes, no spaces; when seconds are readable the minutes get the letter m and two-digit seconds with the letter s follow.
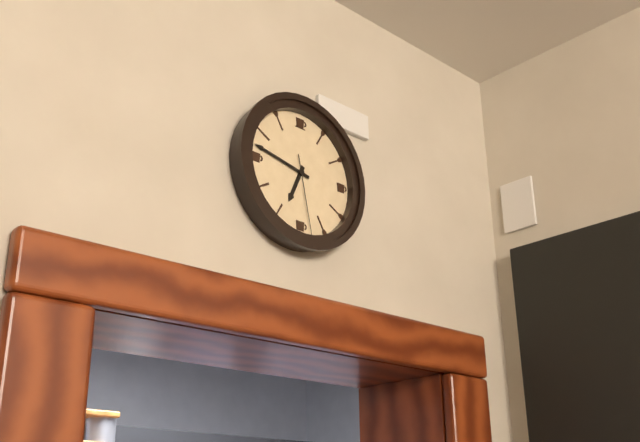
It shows 6h47m28s
